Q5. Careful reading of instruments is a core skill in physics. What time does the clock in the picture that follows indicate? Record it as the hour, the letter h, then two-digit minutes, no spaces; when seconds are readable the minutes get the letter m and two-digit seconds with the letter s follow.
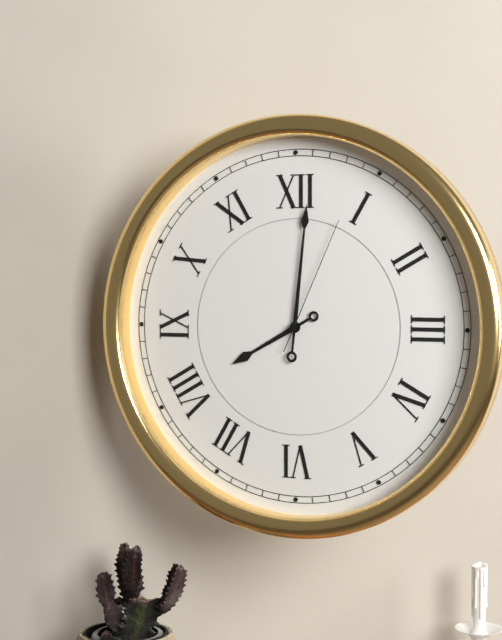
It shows 8h01m04s
